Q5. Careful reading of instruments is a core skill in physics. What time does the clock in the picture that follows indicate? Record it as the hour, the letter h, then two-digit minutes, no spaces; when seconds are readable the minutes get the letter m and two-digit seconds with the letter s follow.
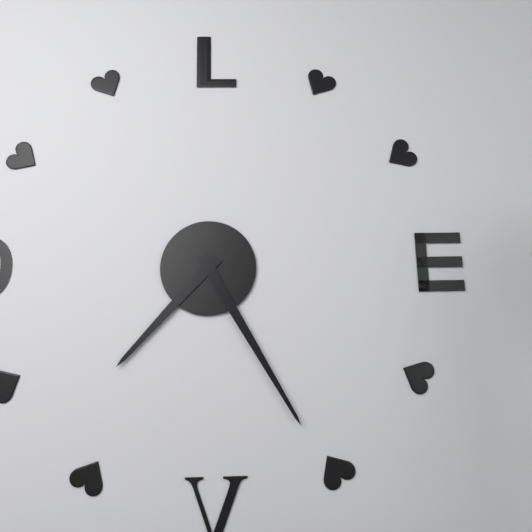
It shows 7h25
